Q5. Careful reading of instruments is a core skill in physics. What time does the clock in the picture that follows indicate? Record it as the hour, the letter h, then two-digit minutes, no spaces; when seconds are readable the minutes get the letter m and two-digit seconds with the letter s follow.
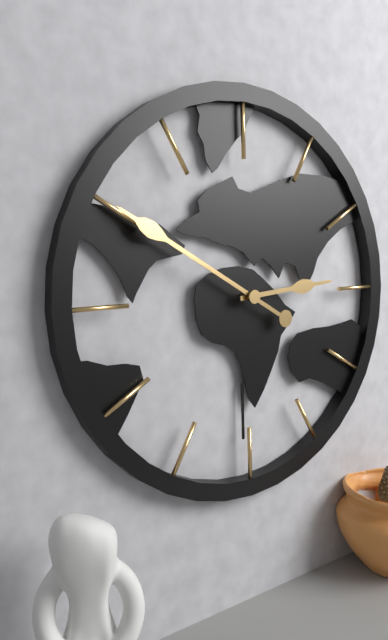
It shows 2h50
